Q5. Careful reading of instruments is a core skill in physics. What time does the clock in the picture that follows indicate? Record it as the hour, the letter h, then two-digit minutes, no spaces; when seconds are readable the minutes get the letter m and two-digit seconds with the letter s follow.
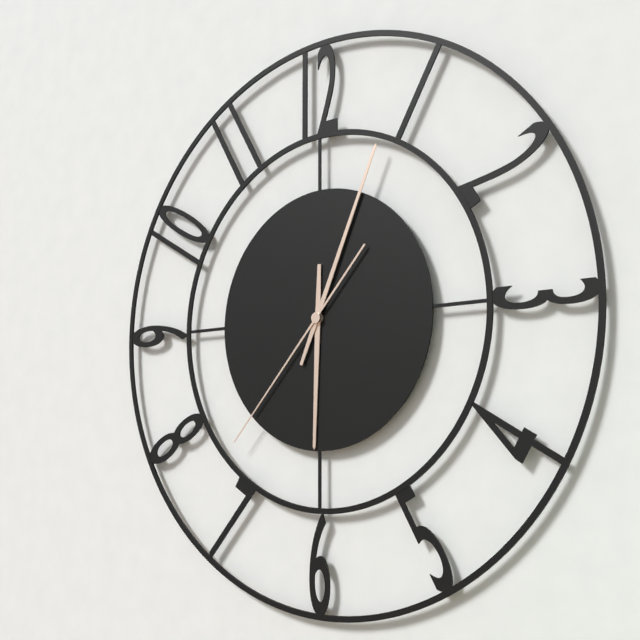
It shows 6h04m37s
